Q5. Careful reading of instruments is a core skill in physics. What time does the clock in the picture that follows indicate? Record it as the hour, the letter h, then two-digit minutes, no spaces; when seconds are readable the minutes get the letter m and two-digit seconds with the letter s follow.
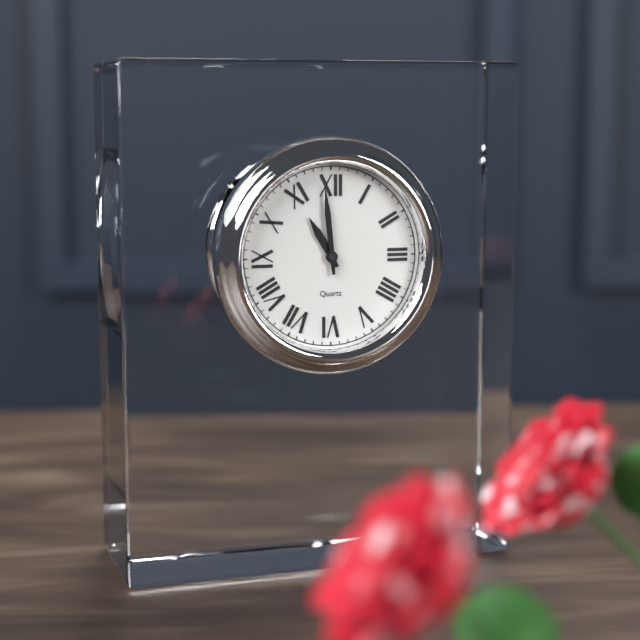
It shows 10h59
